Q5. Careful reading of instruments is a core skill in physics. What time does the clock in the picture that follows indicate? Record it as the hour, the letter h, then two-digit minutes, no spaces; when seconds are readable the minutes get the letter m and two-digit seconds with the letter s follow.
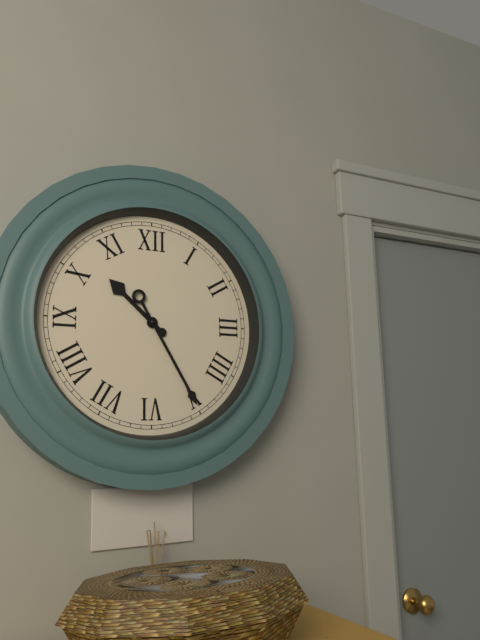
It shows 10h25
